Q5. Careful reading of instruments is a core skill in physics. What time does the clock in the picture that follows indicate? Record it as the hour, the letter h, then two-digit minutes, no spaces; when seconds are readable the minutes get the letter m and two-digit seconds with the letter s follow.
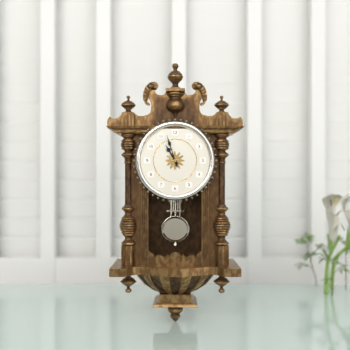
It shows 10h57
